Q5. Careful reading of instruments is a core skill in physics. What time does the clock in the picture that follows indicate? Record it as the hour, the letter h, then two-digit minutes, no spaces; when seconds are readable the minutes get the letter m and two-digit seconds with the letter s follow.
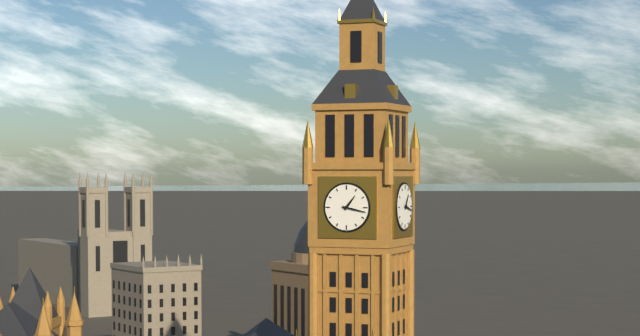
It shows 1h17
